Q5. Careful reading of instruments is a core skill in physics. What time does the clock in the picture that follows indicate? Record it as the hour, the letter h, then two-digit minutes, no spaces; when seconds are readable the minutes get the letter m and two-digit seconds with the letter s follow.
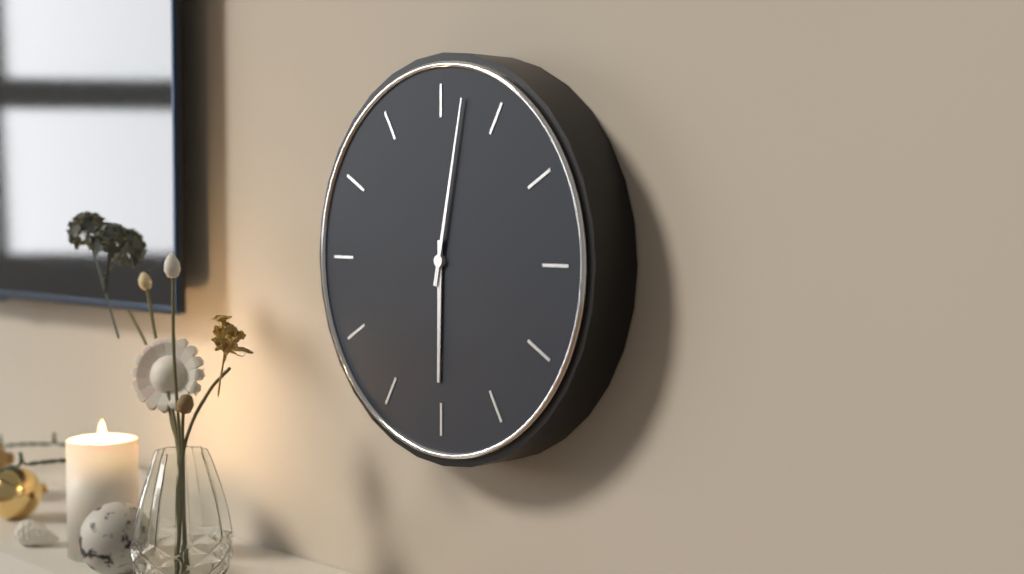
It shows 6h02
